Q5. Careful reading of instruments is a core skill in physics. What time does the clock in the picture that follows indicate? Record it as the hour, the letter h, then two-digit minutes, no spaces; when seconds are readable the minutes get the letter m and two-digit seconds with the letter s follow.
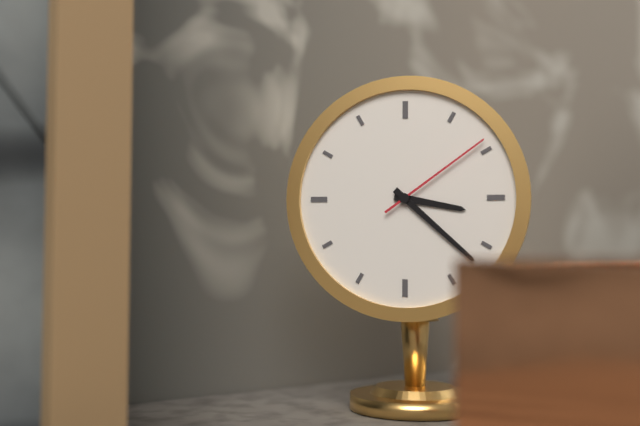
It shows 3h22m09s
